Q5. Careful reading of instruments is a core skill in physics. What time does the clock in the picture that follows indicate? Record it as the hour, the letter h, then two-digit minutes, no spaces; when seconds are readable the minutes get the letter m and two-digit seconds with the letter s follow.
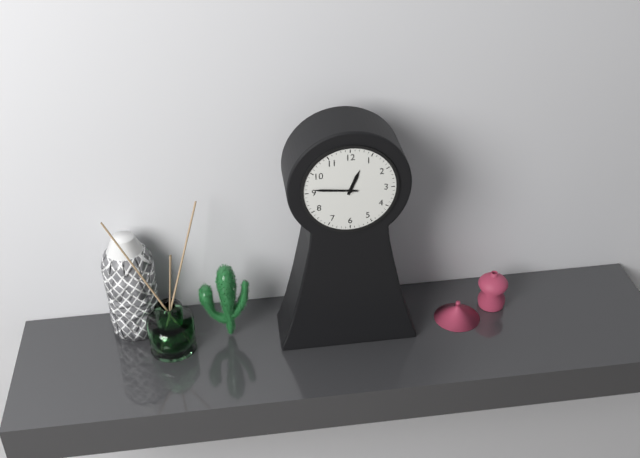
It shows 12h46
